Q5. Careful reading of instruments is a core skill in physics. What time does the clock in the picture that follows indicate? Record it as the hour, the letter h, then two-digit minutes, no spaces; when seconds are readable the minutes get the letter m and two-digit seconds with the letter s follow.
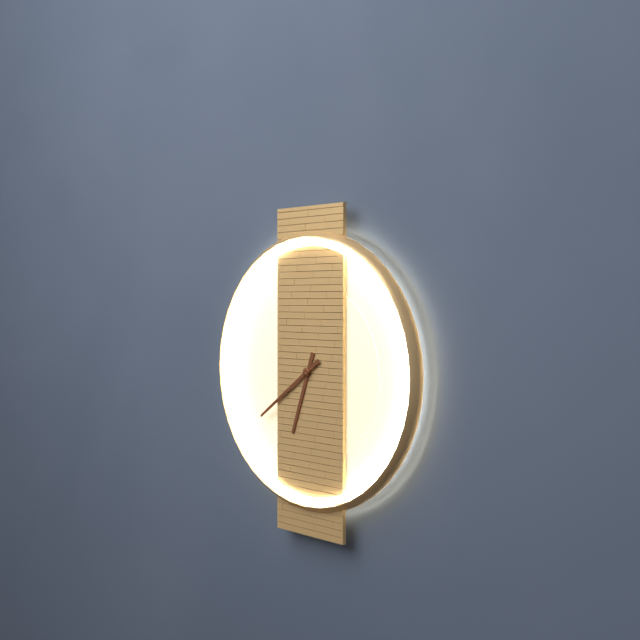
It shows 6h39
